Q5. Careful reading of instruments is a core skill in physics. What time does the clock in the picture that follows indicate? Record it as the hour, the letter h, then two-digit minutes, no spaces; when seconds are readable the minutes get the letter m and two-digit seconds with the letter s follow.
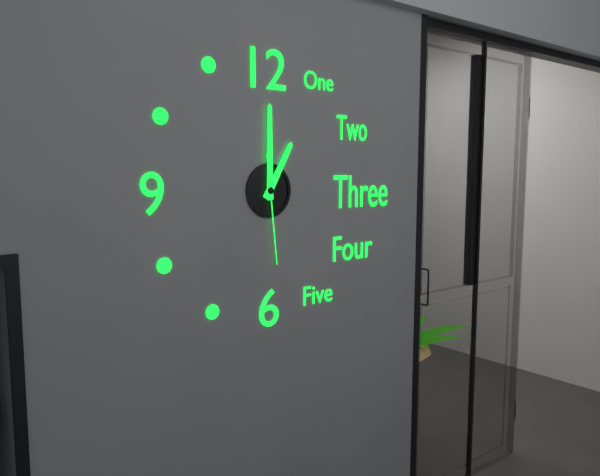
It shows 1h00m29s
